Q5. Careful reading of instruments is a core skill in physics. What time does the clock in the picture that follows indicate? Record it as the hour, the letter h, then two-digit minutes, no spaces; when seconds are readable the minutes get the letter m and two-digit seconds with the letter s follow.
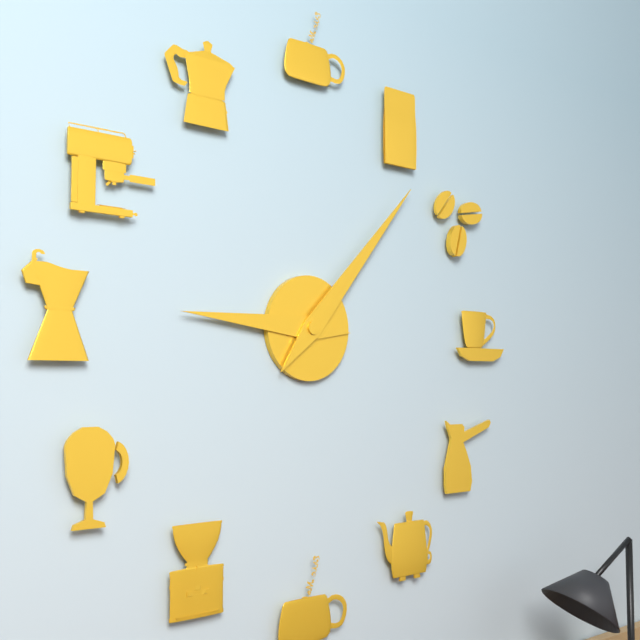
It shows 9h07
